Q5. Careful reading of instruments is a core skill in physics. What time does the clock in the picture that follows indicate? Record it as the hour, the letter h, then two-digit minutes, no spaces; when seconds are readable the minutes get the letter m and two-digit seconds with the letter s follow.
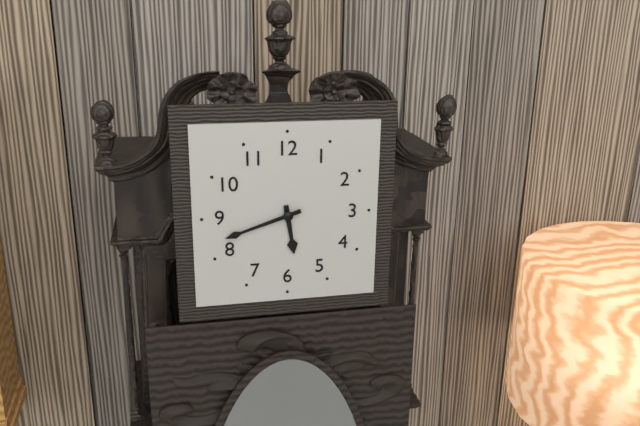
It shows 5h42
